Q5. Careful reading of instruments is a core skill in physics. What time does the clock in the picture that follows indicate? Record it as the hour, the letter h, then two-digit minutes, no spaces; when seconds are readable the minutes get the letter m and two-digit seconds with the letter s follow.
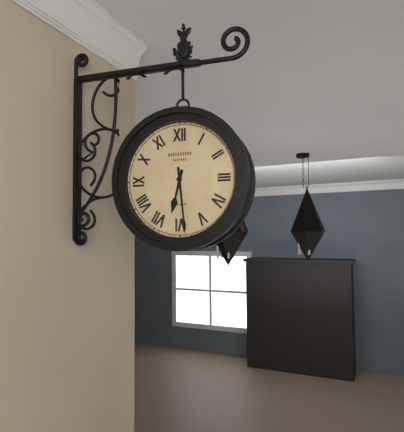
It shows 6h29
